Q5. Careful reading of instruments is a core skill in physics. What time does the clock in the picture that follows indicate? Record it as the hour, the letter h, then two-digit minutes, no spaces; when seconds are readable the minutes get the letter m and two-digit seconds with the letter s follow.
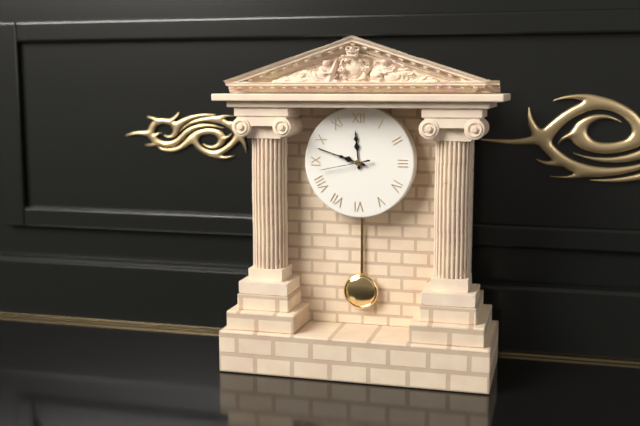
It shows 11h48m43s
